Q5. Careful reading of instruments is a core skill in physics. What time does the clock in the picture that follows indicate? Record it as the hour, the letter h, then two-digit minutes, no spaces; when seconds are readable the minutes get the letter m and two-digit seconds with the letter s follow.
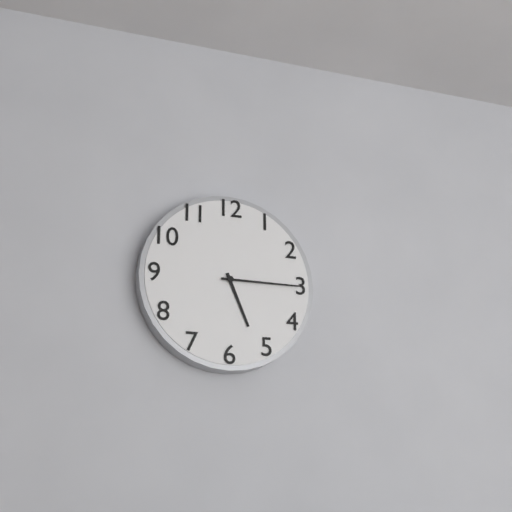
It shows 5h15
